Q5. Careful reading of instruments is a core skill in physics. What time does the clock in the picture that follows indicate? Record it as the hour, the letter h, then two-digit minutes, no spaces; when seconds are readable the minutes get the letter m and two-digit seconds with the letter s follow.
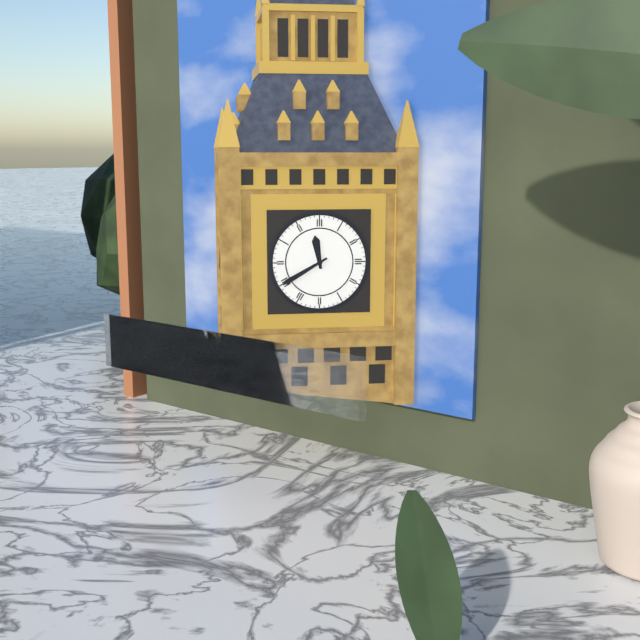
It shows 11h40
